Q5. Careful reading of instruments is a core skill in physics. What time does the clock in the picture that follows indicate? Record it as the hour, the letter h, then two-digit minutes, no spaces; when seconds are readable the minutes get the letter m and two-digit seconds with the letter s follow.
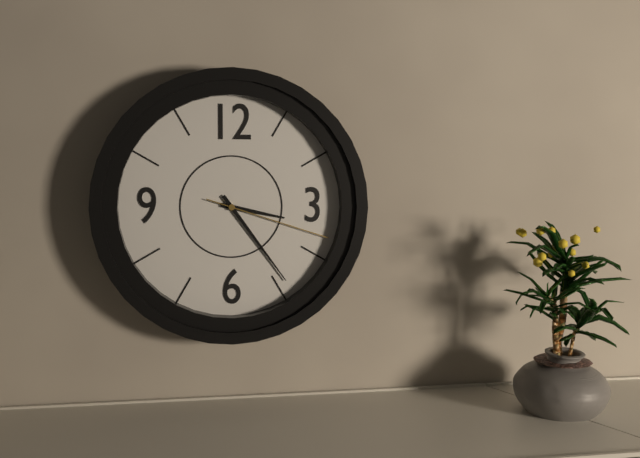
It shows 3h24m18s
